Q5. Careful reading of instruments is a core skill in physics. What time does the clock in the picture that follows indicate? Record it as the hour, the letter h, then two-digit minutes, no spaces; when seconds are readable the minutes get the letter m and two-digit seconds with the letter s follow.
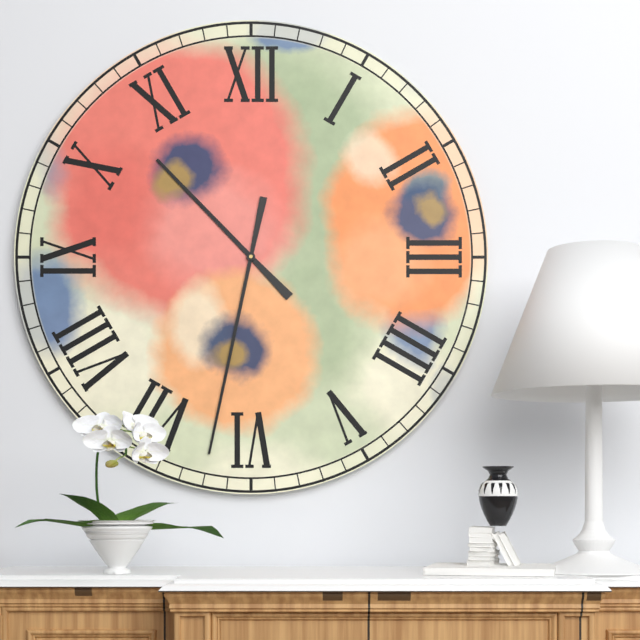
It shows 10h32
